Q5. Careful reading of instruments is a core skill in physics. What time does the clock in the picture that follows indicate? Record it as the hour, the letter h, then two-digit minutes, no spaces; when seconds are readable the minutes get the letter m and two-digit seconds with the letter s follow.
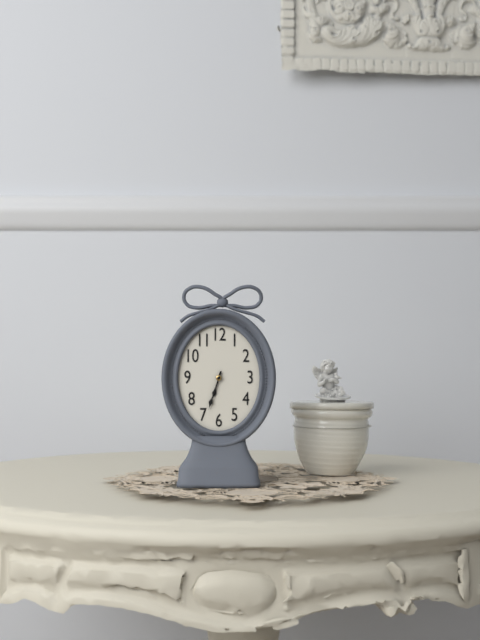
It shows 6h33
